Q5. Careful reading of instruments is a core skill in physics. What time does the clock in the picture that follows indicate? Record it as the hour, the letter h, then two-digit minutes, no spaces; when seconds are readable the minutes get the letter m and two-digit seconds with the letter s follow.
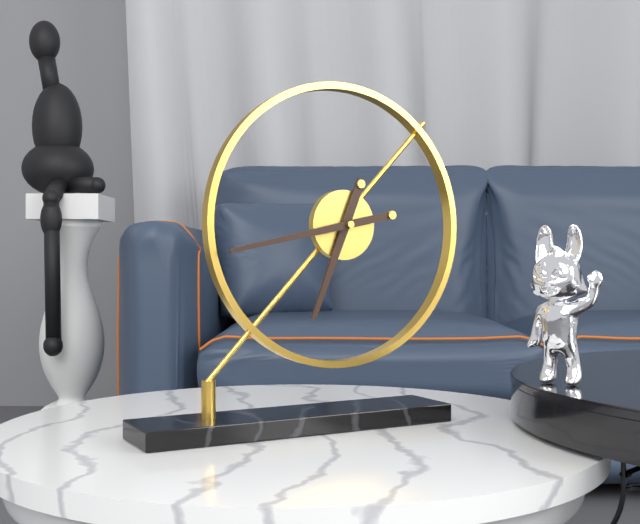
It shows 6h43
